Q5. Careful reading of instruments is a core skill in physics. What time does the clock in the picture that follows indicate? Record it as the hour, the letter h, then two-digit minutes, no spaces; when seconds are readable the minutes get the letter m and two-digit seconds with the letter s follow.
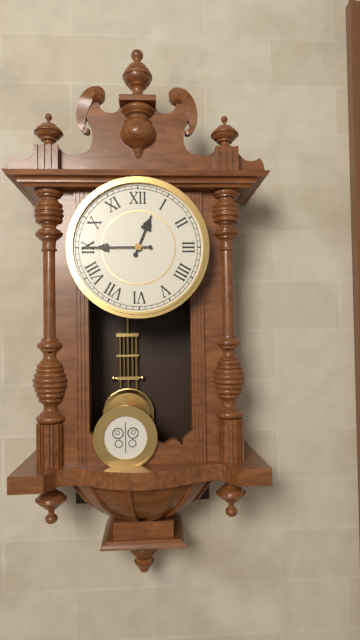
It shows 12h45
